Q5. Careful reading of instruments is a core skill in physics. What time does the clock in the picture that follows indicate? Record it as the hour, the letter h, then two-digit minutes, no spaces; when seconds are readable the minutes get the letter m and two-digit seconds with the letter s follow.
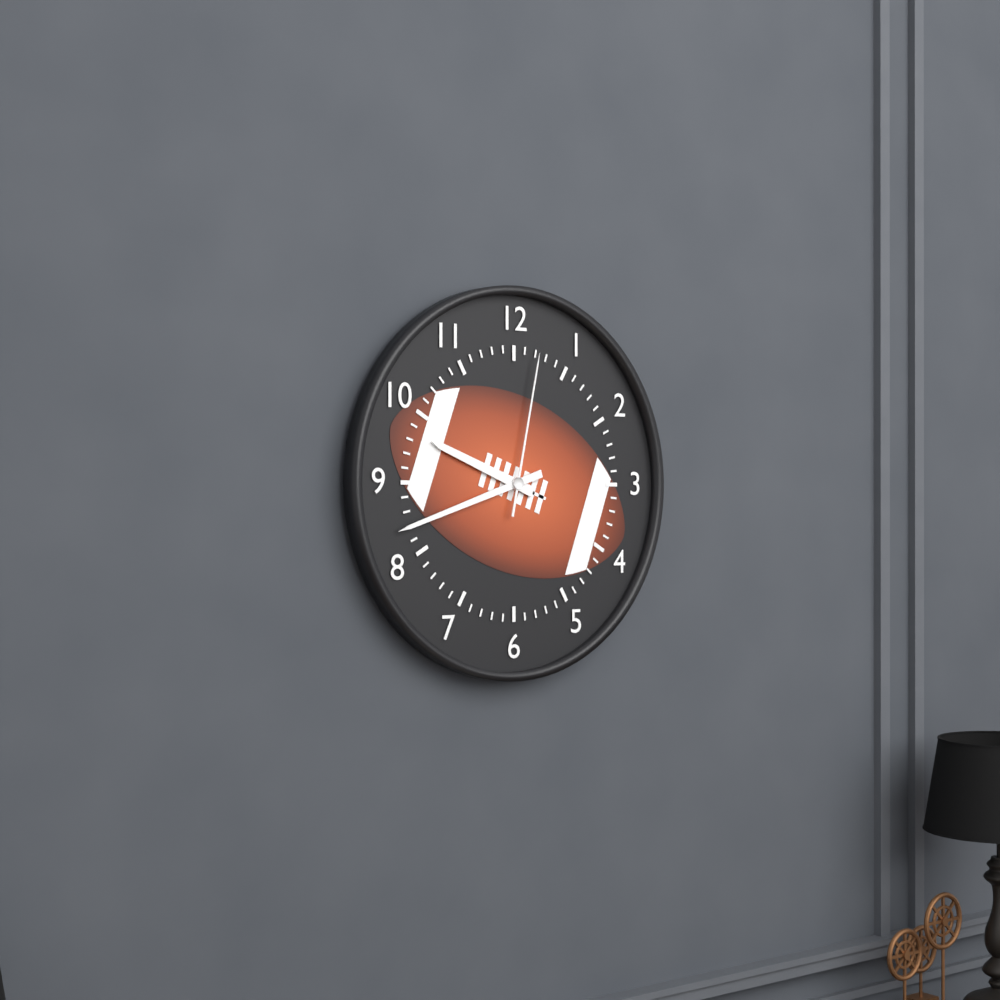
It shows 9h42m02s
